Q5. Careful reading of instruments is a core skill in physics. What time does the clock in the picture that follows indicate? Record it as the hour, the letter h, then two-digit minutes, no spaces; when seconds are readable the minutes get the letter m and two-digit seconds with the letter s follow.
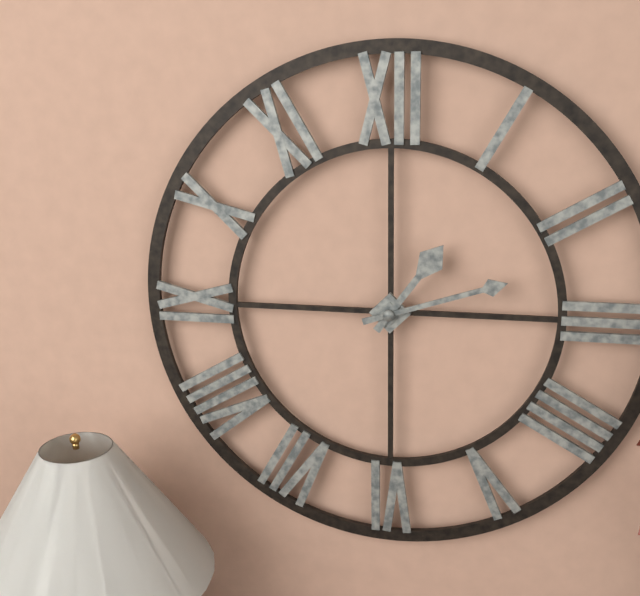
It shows 1h12
